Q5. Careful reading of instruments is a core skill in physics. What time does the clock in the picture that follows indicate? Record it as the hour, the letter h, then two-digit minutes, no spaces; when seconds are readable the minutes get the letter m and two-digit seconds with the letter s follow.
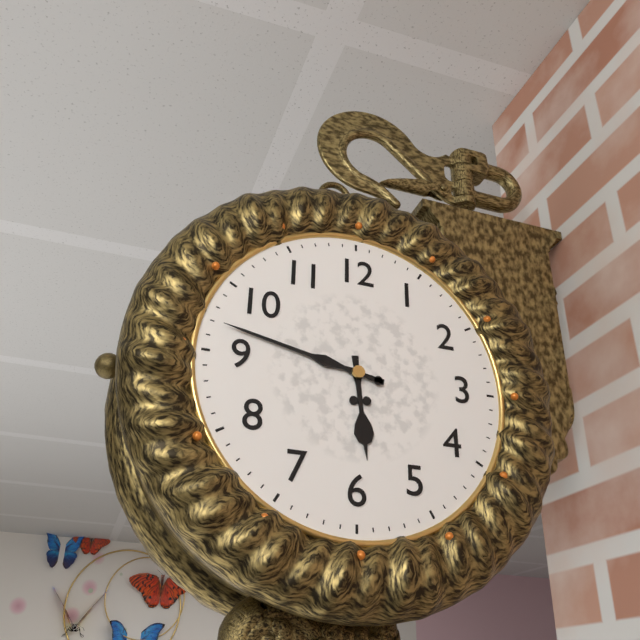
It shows 5h47
